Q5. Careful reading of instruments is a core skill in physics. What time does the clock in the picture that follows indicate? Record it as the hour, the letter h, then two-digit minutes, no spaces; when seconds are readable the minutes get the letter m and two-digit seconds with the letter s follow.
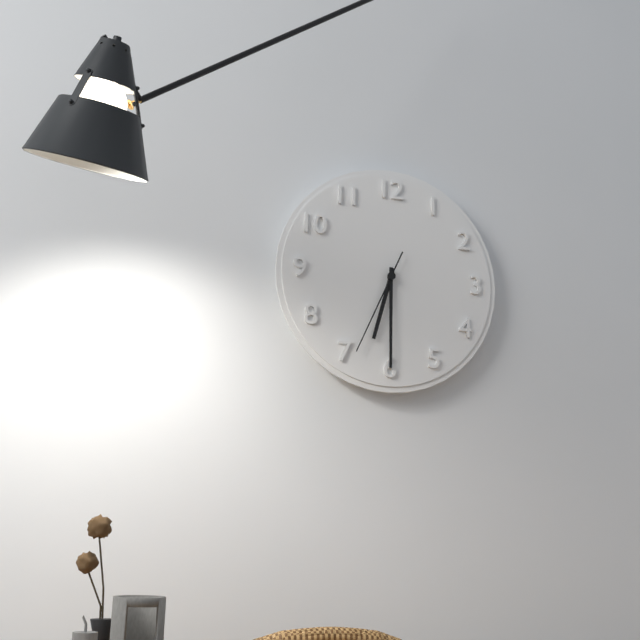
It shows 6h30m34s
